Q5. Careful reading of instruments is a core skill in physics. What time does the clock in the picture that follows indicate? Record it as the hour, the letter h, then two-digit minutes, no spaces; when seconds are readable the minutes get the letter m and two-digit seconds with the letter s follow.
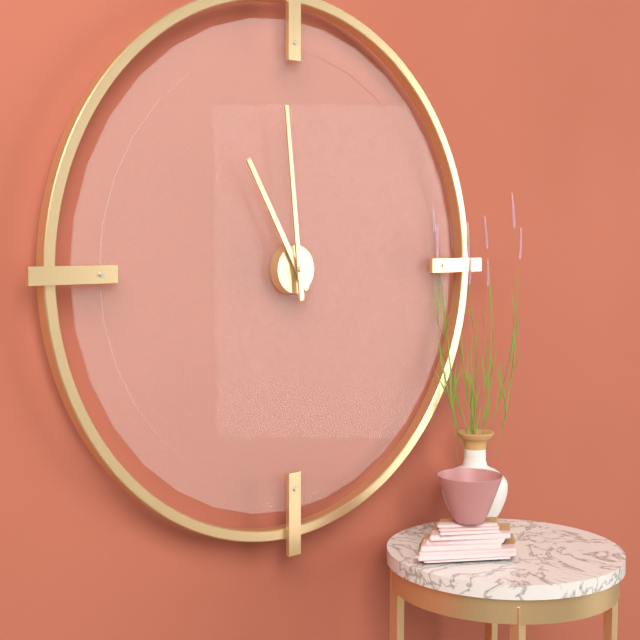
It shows 10h59
